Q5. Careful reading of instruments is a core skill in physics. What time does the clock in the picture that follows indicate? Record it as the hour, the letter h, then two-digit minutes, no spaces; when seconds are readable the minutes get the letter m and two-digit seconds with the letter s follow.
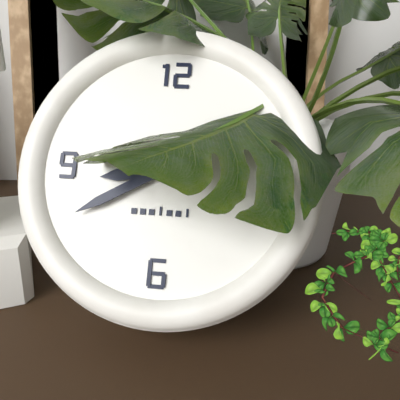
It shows 8h40
